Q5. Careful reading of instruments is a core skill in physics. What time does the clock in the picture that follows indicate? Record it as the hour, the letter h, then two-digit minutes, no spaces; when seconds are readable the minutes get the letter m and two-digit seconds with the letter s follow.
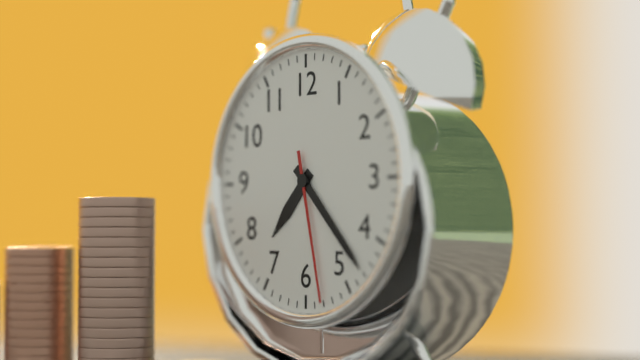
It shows 7h23m28s
